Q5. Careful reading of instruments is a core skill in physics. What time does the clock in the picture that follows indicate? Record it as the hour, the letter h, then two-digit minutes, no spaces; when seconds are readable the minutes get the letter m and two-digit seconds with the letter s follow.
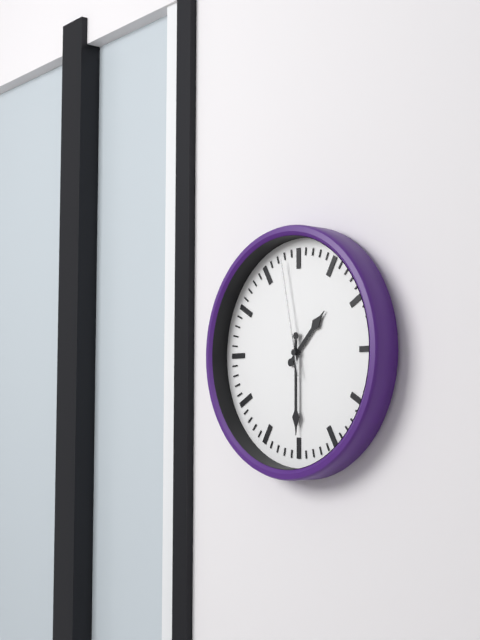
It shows 1h30m58s
